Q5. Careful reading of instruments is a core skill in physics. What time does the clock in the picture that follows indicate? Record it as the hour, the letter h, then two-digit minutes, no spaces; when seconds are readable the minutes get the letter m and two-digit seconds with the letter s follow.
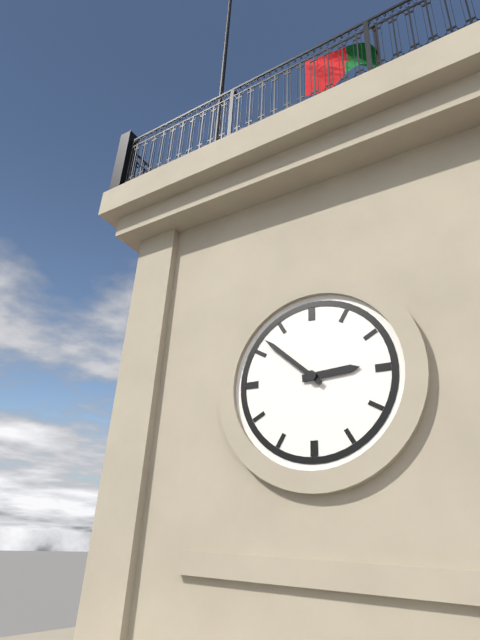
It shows 2h52
